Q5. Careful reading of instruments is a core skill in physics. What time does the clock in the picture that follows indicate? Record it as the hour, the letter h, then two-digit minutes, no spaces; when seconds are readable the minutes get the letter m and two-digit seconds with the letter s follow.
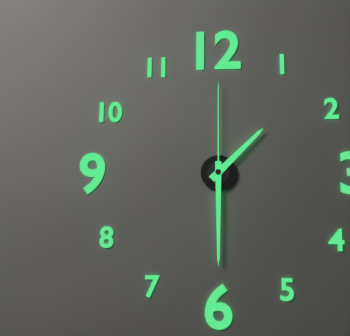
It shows 1h30m00s
